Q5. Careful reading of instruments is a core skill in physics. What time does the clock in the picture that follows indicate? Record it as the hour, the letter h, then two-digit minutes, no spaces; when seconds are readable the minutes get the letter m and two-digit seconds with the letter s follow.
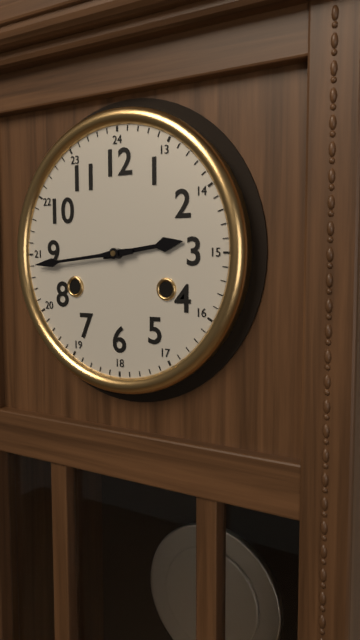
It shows 2h44
